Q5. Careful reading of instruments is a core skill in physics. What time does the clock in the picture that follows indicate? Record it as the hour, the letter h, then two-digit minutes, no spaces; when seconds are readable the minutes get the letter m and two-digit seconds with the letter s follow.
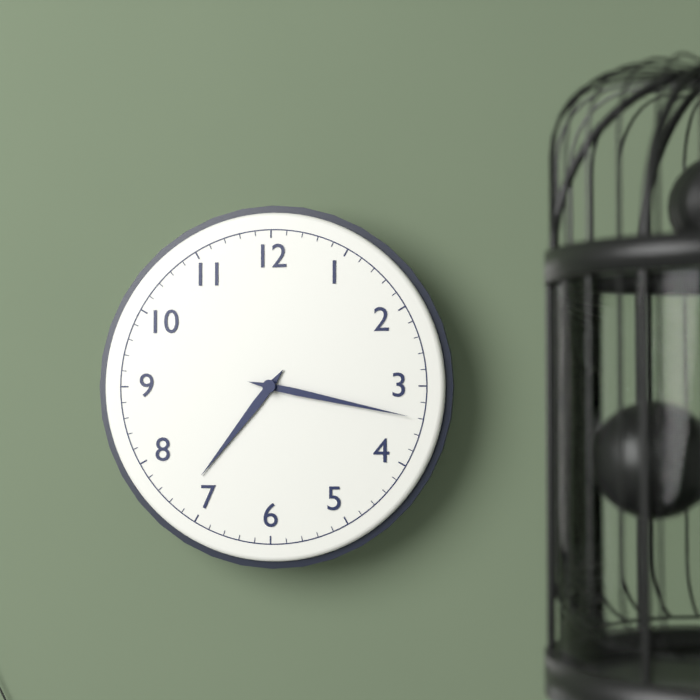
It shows 7h17
